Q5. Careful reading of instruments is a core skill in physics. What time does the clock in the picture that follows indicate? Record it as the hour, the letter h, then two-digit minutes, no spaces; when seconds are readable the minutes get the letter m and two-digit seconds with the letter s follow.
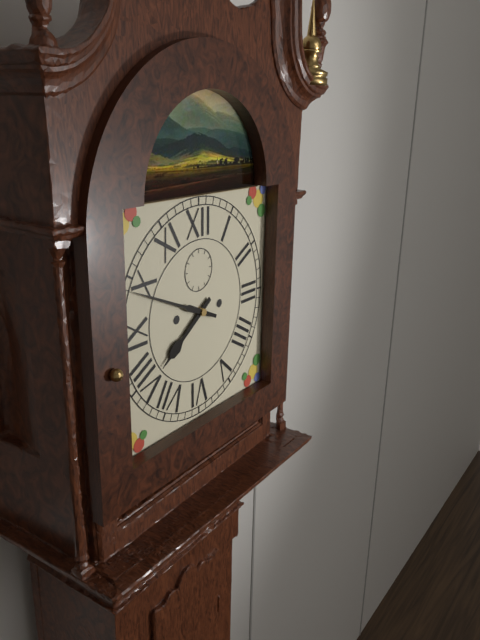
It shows 7h49
